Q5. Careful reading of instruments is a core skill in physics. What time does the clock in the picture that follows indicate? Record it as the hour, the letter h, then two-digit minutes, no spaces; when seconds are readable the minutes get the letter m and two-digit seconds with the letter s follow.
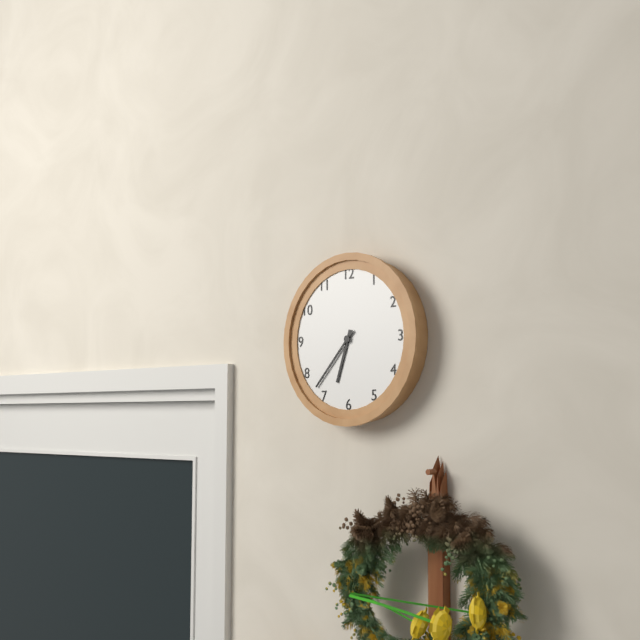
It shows 6h37
